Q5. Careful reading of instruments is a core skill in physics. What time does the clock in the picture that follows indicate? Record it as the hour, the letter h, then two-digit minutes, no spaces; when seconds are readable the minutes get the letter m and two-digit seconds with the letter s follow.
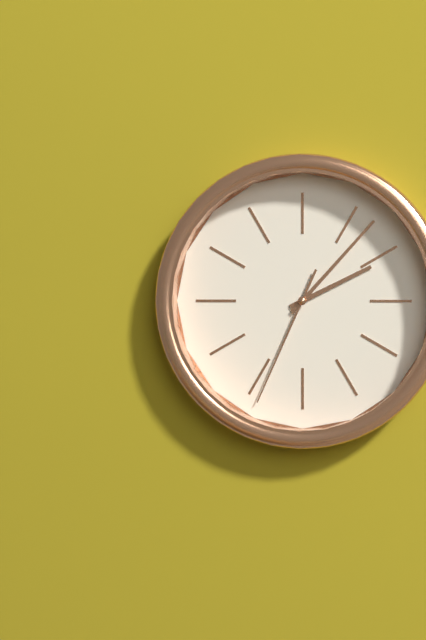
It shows 2h07m34s
